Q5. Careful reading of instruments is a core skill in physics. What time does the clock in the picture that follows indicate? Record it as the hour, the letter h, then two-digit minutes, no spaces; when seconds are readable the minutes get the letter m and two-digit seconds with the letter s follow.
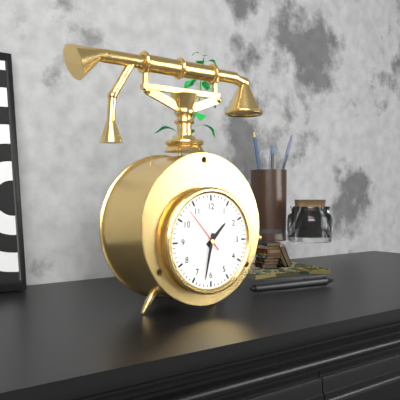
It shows 1h32
